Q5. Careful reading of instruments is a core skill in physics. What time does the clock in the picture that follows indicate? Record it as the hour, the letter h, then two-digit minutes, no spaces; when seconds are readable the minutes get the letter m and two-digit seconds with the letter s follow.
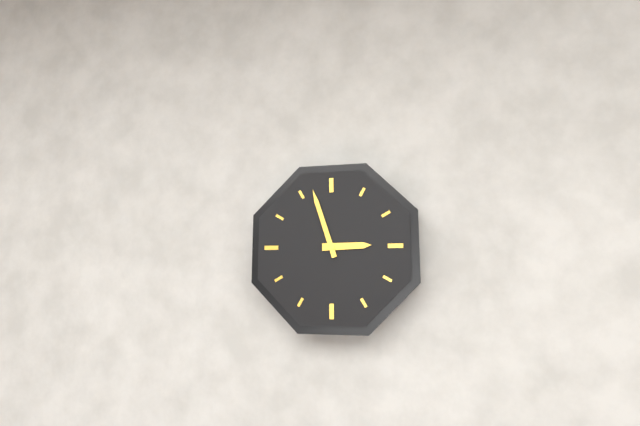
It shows 2h57
